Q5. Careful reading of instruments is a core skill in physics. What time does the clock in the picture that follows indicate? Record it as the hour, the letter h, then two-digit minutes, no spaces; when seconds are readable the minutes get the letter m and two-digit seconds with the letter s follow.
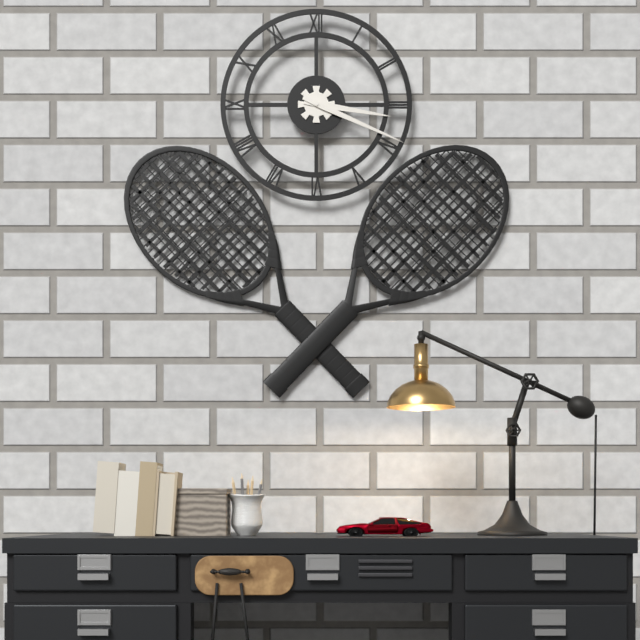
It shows 3h19
